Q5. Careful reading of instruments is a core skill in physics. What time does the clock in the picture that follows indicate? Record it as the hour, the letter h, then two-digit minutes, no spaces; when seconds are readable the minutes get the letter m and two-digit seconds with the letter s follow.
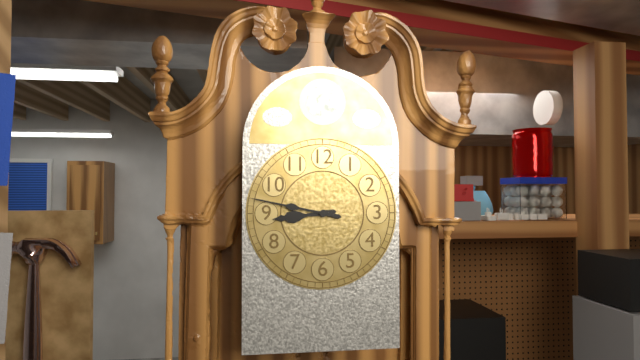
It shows 8h47
